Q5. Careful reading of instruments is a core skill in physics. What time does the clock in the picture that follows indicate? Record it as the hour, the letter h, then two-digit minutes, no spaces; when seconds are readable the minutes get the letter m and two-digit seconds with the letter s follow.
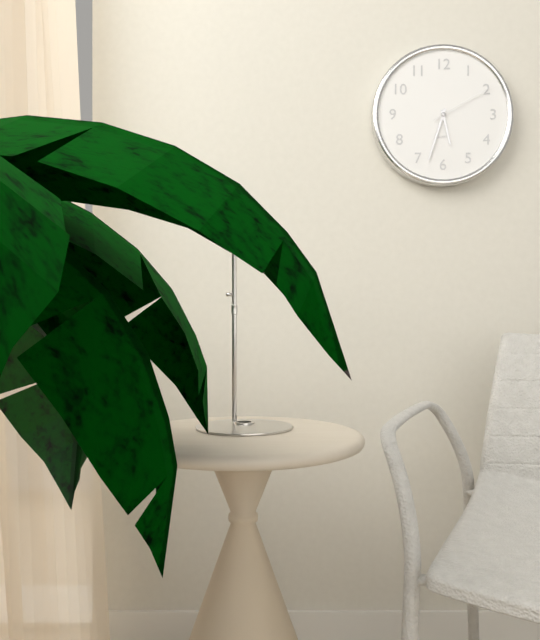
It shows 5h33m10s
